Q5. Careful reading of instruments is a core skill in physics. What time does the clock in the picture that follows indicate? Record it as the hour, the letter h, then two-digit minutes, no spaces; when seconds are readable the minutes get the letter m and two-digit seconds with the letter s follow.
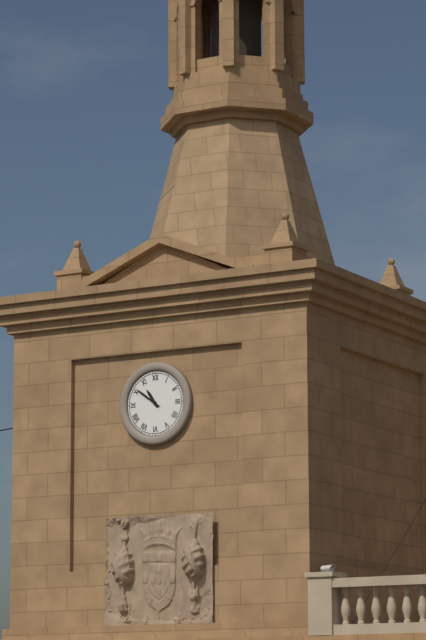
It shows 10h51
